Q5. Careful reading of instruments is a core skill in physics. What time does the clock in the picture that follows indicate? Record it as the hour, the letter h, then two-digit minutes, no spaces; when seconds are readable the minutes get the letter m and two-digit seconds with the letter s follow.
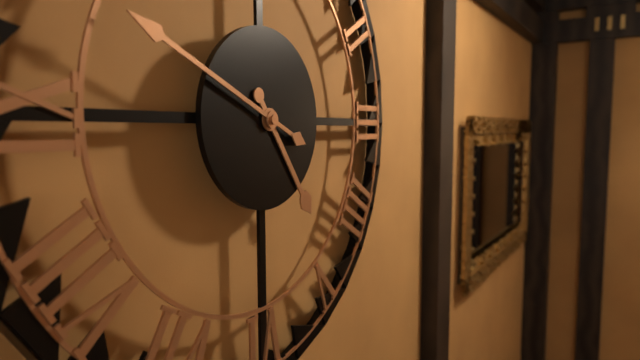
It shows 4h49
